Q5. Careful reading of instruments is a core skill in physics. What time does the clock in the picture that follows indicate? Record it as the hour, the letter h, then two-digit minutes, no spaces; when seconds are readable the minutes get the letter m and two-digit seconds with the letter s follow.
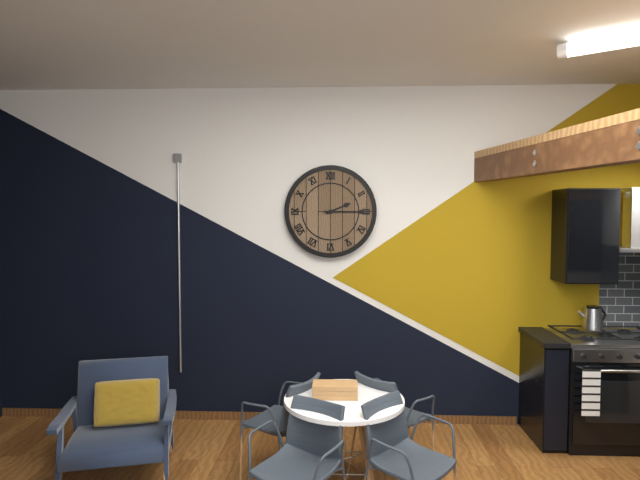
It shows 2h15
